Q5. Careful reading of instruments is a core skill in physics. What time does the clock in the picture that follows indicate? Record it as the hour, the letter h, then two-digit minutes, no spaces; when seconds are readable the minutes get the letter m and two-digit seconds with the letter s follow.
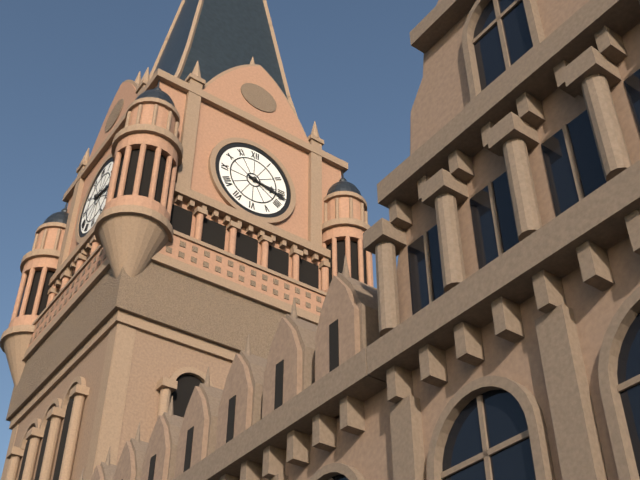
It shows 3h17
